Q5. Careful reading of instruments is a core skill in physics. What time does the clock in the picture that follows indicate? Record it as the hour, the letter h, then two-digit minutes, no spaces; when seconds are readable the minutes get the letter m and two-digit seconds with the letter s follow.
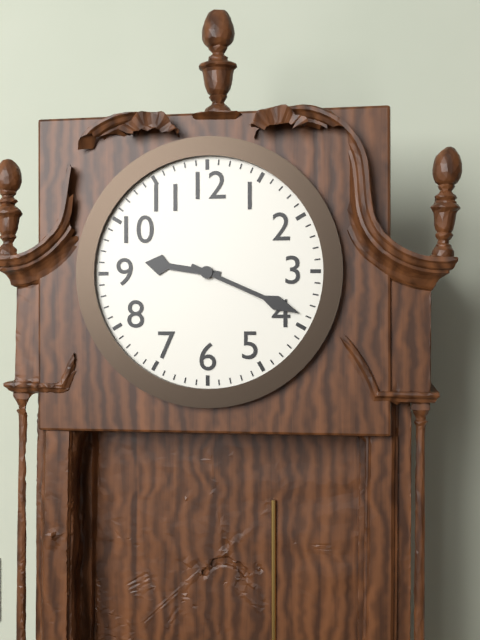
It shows 9h19
